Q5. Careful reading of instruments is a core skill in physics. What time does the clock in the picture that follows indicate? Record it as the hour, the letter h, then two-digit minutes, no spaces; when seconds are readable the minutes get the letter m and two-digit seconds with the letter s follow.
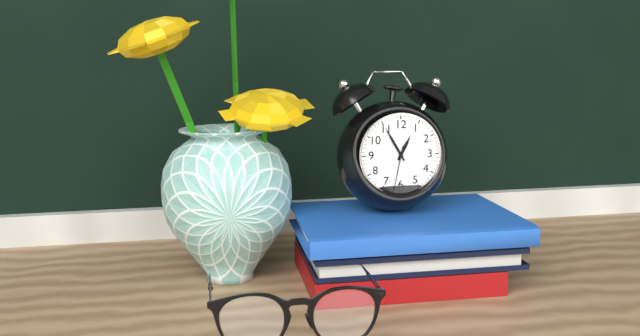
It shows 12h55
